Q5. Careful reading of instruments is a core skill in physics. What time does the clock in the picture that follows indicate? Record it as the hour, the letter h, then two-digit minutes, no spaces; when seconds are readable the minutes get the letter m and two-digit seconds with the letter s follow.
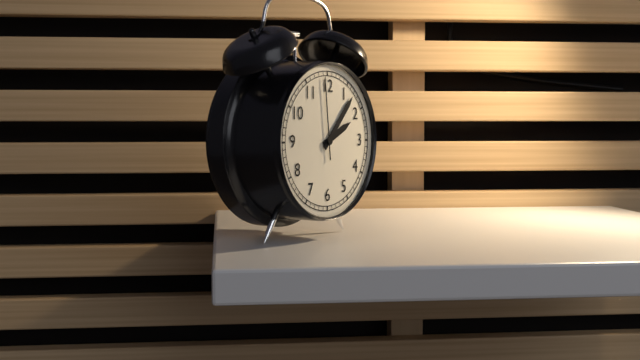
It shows 2h07m59s
